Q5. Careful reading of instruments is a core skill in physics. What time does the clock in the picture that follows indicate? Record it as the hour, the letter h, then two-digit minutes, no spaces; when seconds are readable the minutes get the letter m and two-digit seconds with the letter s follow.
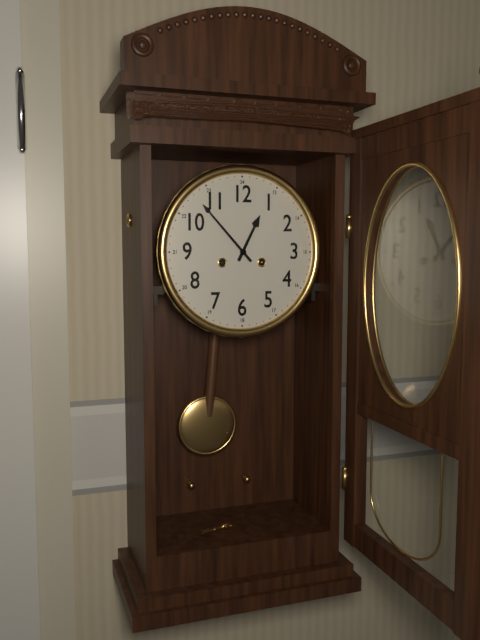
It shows 12h53
